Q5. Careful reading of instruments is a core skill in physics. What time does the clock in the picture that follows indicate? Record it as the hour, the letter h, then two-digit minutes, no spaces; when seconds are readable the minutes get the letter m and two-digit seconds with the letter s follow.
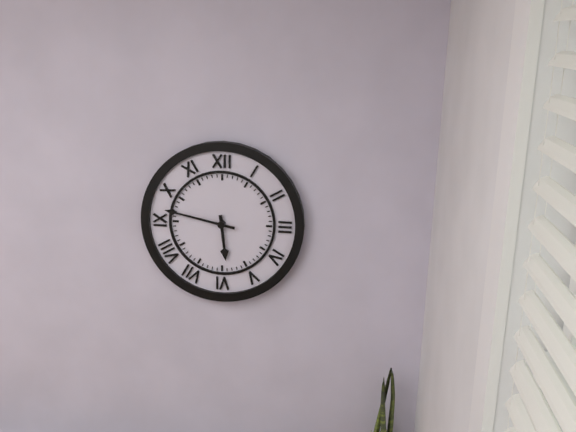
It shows 5h47
